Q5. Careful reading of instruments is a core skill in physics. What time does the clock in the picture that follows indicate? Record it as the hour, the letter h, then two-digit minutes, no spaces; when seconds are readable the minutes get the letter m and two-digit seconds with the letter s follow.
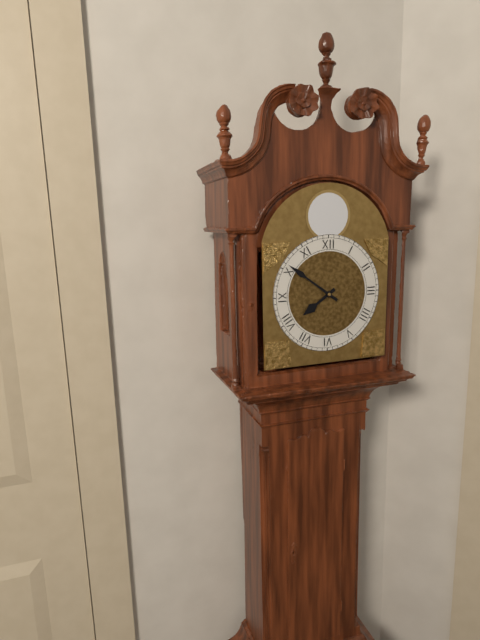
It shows 7h51
